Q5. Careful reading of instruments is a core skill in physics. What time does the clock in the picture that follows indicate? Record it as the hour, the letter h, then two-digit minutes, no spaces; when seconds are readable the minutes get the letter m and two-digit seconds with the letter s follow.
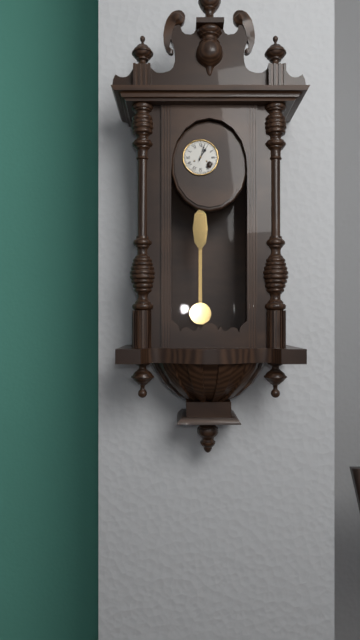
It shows 1h03
